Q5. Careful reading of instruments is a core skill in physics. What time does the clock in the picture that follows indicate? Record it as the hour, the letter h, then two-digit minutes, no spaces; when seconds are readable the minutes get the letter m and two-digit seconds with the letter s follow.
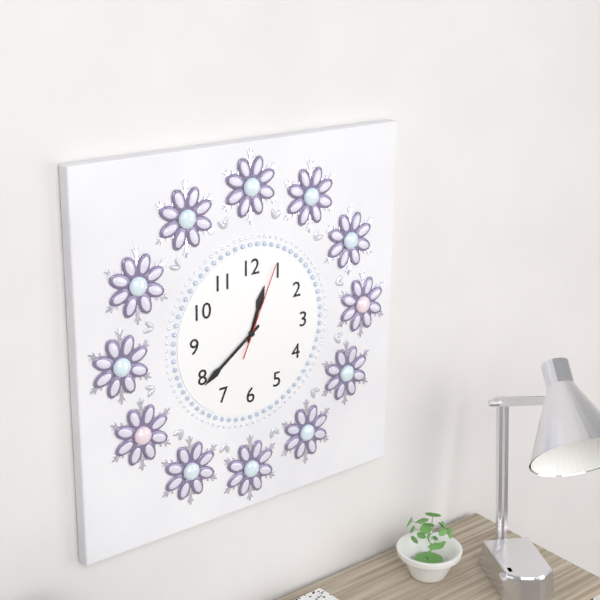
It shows 12h39m04s
